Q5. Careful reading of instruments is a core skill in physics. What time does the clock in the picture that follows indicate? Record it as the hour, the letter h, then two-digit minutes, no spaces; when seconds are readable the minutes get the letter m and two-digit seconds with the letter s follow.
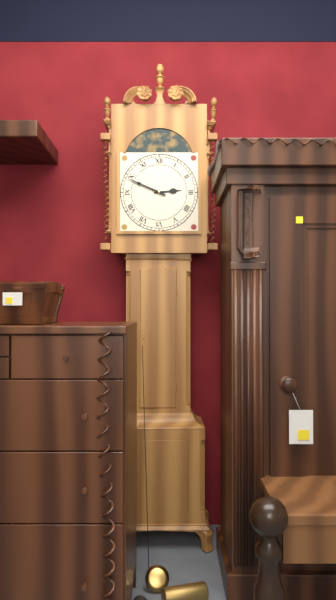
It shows 2h49
